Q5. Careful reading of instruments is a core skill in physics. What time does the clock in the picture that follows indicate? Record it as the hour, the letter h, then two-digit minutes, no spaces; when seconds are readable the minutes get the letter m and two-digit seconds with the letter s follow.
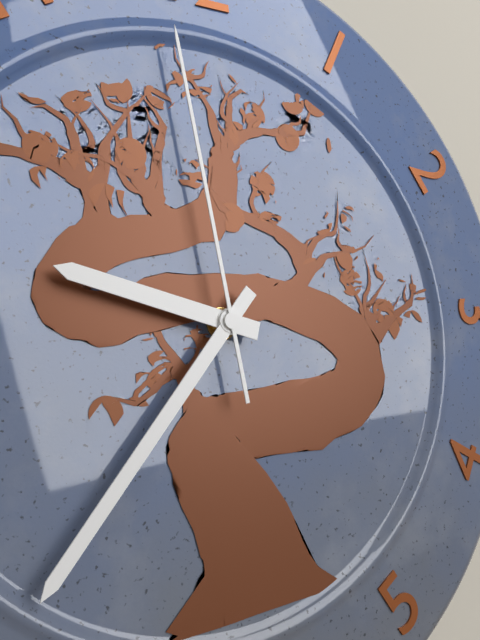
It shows 9h37m59s
